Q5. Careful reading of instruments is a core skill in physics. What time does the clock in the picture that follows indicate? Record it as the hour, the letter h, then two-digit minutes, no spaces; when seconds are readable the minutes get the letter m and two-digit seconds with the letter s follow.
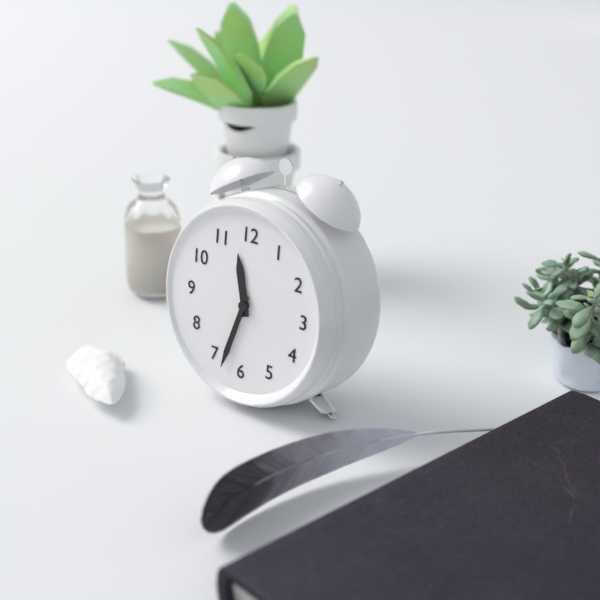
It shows 11h33
